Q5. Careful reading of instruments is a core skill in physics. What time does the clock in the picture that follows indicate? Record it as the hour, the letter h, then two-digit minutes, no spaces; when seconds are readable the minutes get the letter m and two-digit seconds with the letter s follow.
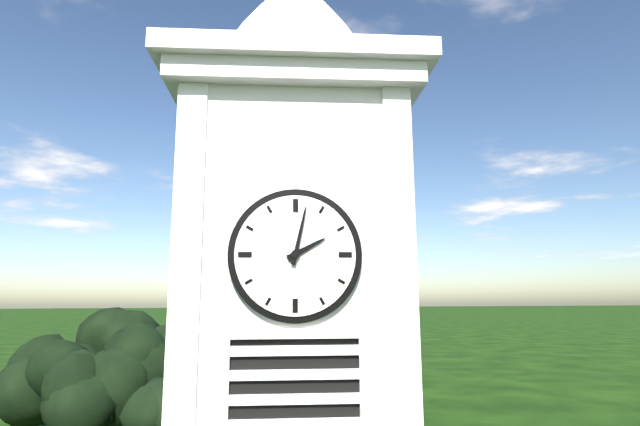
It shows 2h02
